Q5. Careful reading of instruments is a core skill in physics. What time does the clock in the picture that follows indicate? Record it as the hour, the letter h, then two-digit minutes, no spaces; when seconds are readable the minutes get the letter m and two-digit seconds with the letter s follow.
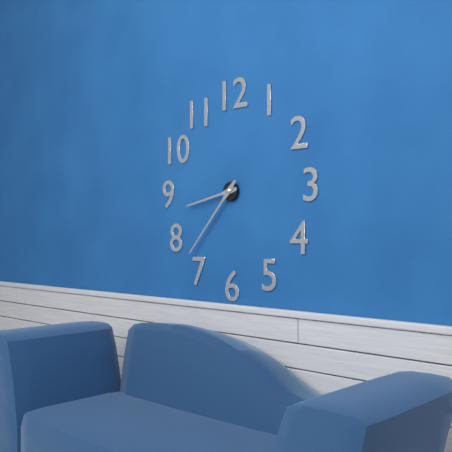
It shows 8h37
